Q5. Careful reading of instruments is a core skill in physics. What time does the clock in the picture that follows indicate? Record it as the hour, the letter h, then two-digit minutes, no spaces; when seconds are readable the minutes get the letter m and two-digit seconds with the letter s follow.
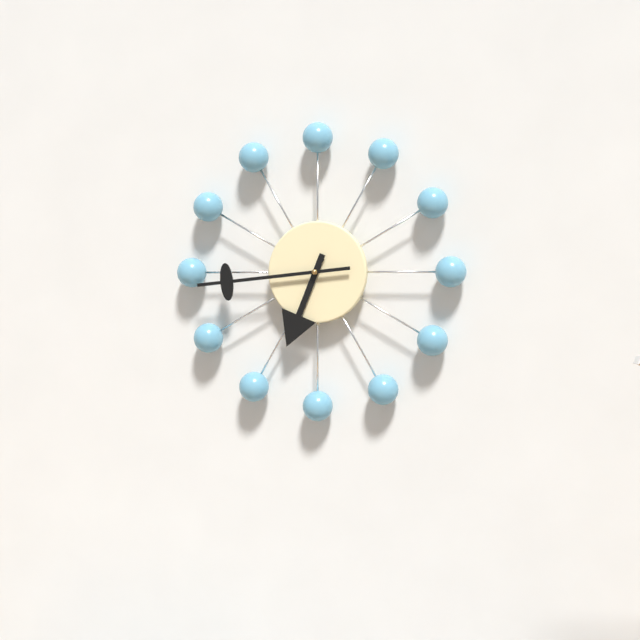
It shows 6h44
